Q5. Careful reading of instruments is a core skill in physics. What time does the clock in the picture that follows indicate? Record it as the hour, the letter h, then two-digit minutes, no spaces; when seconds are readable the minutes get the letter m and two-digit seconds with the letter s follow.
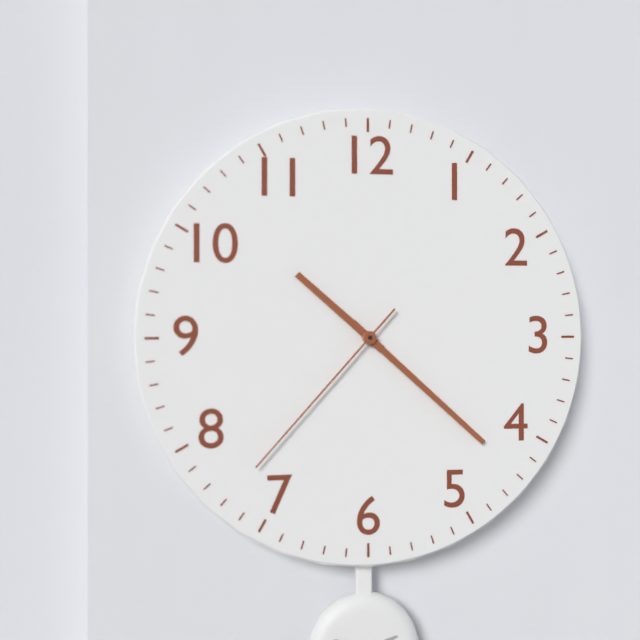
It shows 10h22m37s
